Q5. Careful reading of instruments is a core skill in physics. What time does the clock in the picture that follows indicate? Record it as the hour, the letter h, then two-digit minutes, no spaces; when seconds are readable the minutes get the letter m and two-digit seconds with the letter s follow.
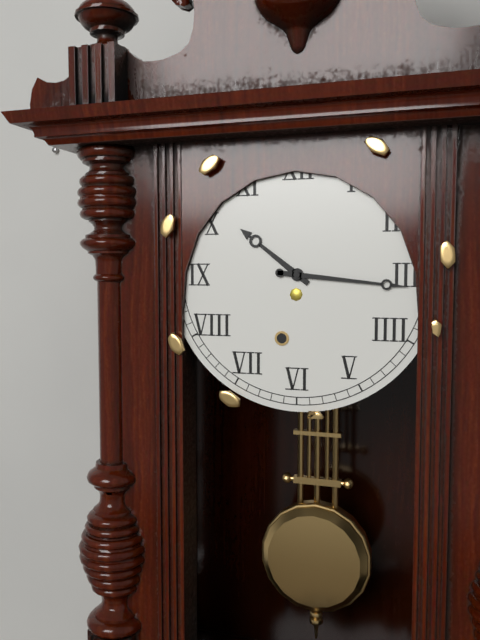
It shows 10h16
